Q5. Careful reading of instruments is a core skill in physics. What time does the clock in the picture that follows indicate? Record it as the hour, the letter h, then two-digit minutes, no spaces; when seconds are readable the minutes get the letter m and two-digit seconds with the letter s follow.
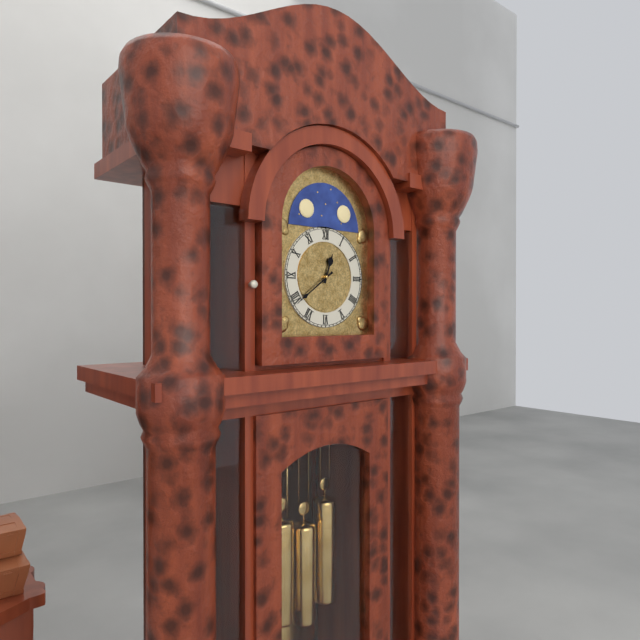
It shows 12h39
